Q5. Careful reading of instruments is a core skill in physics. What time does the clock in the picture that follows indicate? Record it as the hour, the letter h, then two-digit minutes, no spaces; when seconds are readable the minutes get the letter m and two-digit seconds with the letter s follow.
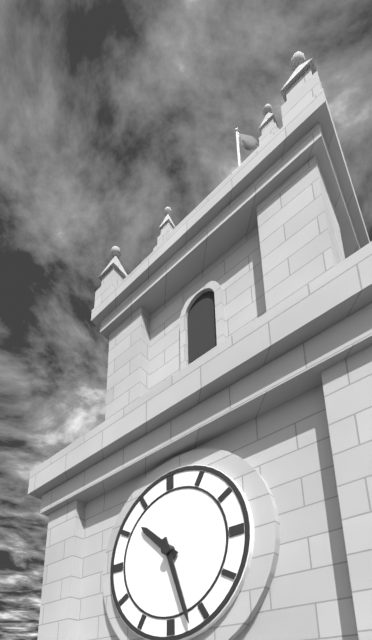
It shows 10h27
